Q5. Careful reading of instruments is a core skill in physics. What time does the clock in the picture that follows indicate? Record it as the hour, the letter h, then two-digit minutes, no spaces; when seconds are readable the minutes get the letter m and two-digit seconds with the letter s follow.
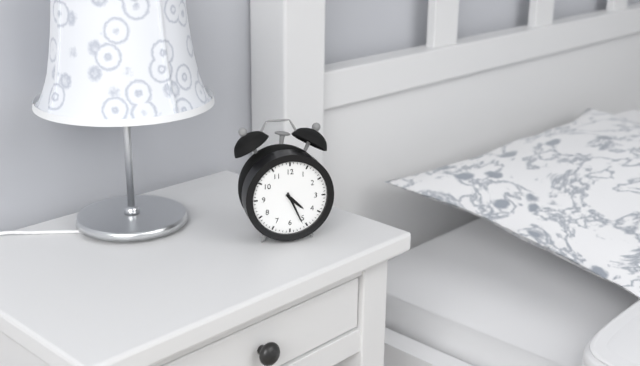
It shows 4h26
